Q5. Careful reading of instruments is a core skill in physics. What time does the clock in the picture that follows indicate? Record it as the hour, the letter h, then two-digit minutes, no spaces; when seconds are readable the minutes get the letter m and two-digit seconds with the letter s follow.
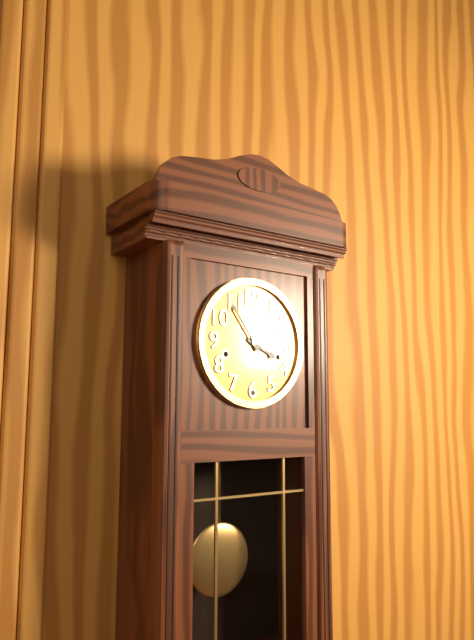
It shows 3h54
